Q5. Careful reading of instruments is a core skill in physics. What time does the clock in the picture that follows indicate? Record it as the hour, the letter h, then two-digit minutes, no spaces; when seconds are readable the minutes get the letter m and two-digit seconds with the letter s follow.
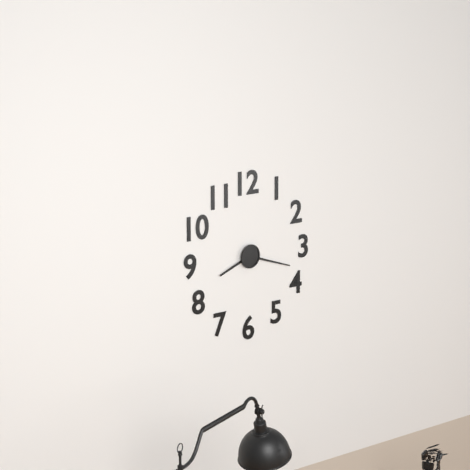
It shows 8h18
